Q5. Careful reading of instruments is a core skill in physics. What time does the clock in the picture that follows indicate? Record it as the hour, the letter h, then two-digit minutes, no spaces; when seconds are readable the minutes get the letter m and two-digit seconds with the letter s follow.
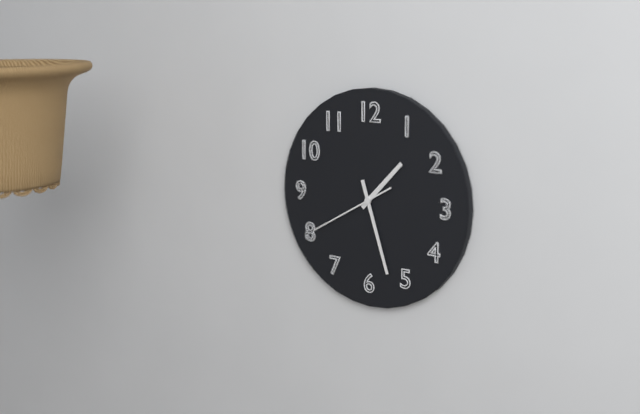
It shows 1h27m40s
